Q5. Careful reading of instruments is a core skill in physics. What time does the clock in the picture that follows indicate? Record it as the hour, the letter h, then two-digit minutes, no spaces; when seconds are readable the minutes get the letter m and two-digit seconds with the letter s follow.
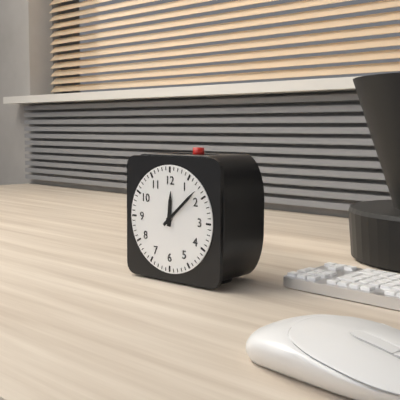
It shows 12h08
